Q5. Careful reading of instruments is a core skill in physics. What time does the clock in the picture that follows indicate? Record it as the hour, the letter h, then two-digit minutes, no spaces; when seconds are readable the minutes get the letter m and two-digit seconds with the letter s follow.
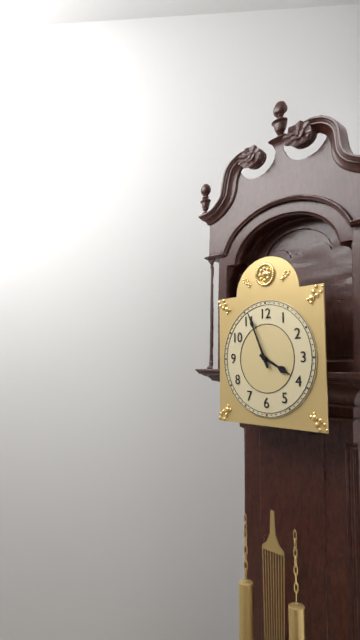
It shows 3h56
